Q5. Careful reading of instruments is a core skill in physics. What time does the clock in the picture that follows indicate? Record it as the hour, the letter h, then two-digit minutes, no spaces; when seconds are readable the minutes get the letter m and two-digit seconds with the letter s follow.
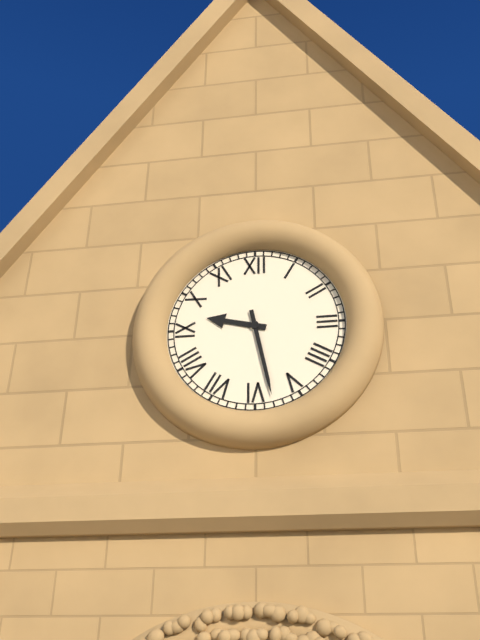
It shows 9h28
